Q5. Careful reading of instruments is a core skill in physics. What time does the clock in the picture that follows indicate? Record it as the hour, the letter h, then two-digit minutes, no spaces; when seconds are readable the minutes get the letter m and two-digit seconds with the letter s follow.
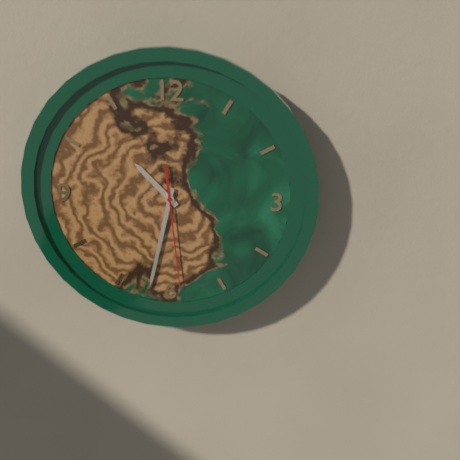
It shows 10h32m29s
